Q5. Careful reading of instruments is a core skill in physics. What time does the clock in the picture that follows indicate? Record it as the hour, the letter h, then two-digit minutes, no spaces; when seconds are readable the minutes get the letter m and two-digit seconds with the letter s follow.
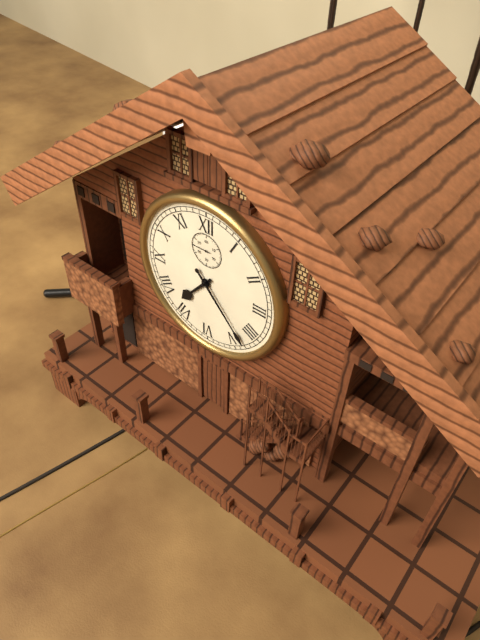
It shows 7h23
